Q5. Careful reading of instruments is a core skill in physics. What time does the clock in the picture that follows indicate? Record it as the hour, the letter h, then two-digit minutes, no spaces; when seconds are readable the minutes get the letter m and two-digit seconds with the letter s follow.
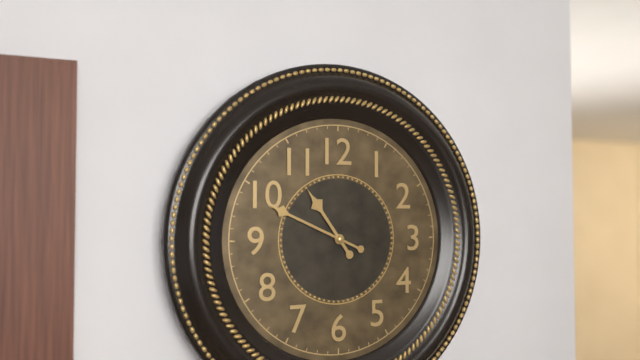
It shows 10h49
